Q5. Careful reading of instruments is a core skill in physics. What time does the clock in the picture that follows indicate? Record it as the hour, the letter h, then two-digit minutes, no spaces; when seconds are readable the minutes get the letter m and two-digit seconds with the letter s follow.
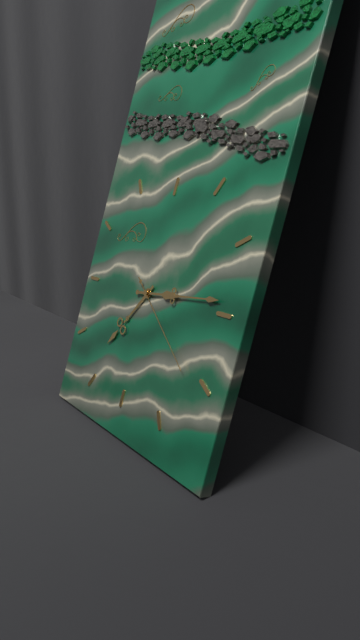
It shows 7h14m21s
